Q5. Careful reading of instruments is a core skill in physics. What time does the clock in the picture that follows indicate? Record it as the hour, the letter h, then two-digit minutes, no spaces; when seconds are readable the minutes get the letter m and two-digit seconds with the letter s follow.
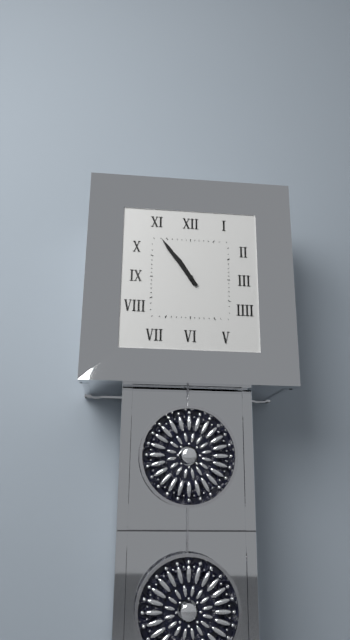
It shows 10h54
